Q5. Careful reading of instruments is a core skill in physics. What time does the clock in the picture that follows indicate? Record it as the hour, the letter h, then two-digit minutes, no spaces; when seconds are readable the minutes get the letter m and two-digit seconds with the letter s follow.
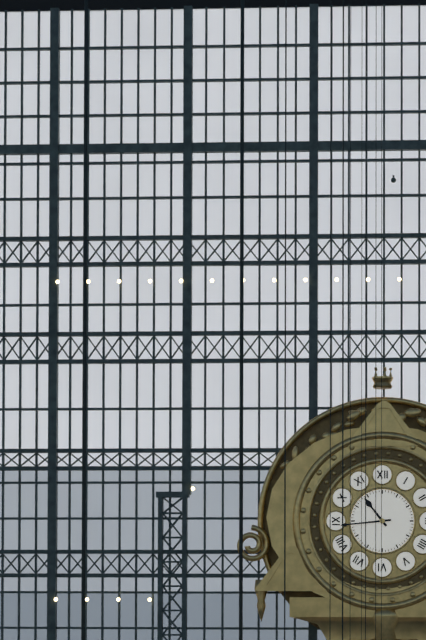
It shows 10h44
